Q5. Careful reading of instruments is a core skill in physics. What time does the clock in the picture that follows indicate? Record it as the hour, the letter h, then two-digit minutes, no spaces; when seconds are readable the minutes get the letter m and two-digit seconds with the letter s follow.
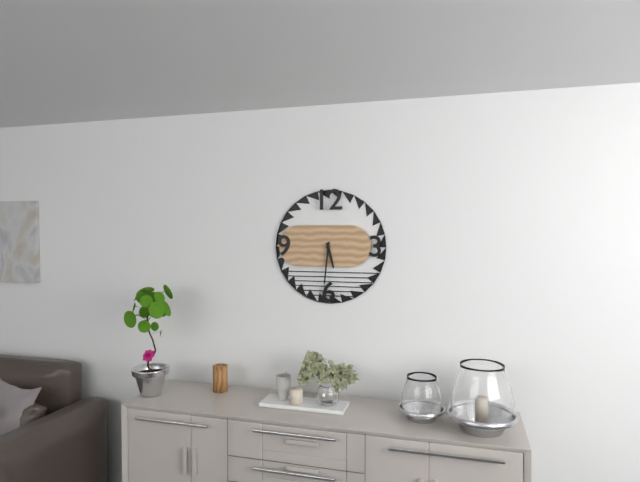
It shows 5h31
